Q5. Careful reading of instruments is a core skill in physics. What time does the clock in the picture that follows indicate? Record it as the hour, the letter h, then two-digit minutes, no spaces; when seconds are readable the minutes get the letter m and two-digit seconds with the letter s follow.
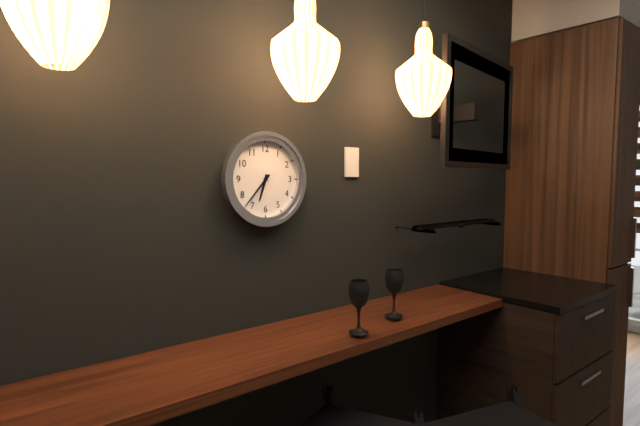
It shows 6h37
